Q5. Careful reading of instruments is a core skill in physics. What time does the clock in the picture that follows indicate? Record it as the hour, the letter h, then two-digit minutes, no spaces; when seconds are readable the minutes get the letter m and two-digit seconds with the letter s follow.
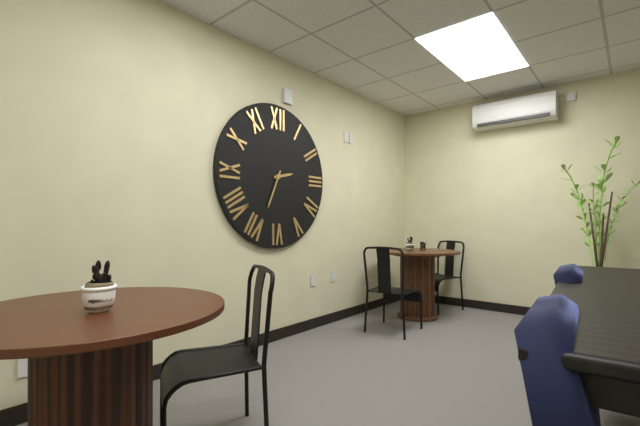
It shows 2h34
